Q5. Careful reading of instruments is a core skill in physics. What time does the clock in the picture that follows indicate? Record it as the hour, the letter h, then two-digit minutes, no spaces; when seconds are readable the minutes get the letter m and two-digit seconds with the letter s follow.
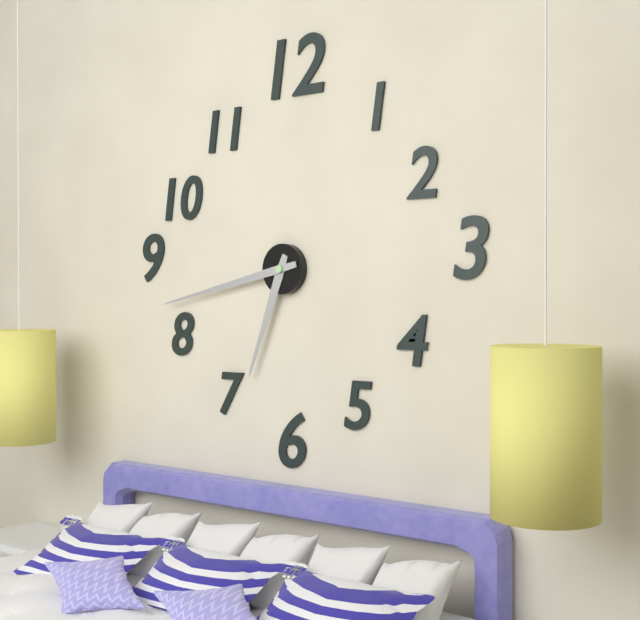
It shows 6h43
